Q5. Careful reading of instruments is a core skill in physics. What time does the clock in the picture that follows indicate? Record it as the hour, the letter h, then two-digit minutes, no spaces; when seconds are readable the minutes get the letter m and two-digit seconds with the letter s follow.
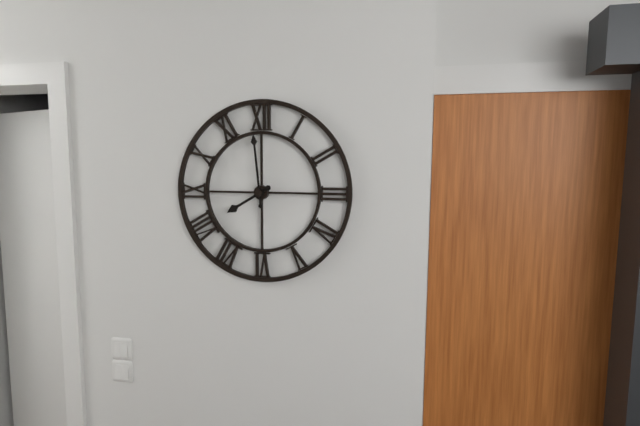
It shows 7h59
